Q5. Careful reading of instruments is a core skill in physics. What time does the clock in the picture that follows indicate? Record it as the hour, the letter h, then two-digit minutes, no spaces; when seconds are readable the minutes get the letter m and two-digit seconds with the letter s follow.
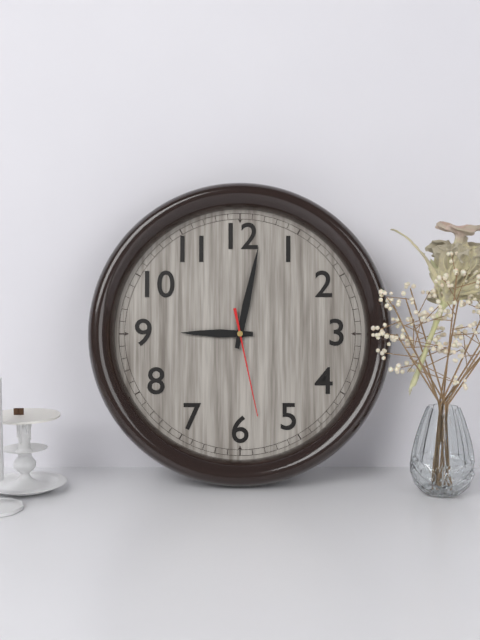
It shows 9h02m28s
